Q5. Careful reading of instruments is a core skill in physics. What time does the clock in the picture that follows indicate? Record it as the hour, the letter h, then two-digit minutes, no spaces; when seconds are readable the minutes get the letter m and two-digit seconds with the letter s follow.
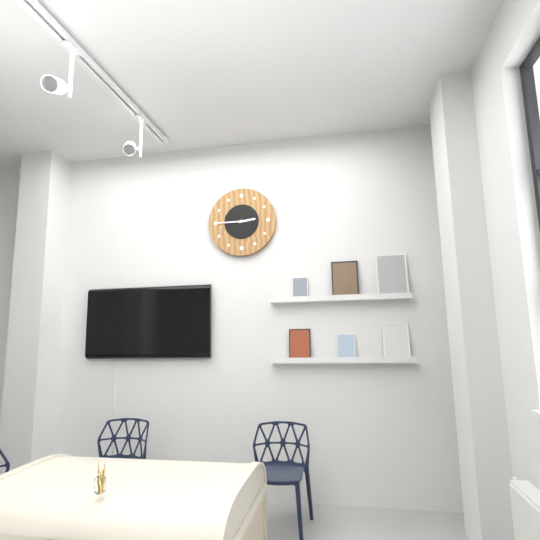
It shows 2h45
